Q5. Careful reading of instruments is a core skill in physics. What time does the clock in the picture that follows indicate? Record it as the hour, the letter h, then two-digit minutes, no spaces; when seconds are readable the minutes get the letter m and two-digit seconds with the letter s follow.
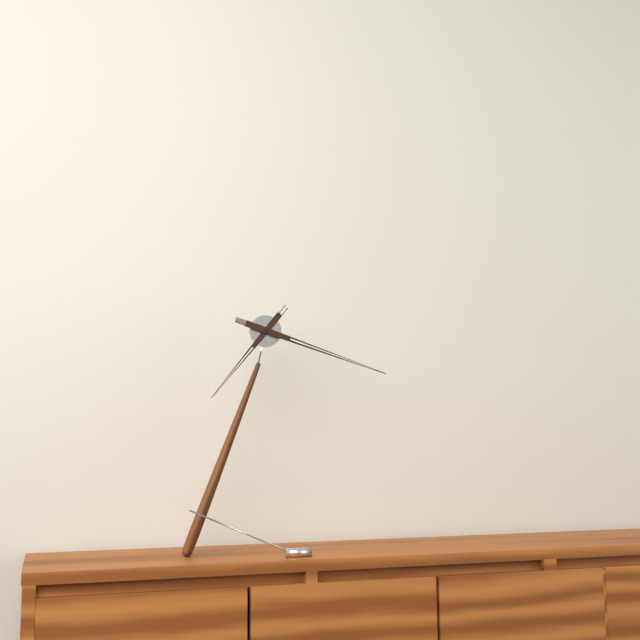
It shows 7h18
